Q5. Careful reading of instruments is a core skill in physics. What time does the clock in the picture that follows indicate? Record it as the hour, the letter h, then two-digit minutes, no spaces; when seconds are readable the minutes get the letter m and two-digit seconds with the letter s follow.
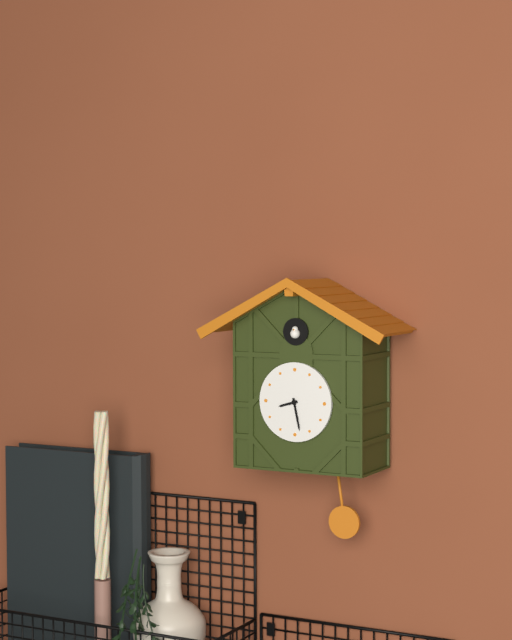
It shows 8h28
